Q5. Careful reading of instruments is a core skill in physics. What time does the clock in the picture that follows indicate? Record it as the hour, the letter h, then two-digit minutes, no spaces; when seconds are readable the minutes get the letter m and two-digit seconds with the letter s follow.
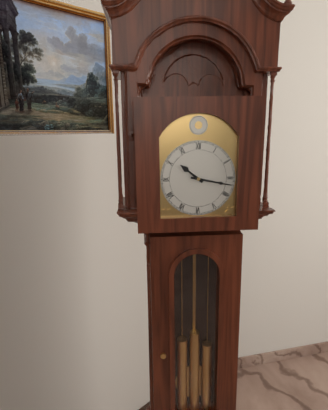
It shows 10h17
